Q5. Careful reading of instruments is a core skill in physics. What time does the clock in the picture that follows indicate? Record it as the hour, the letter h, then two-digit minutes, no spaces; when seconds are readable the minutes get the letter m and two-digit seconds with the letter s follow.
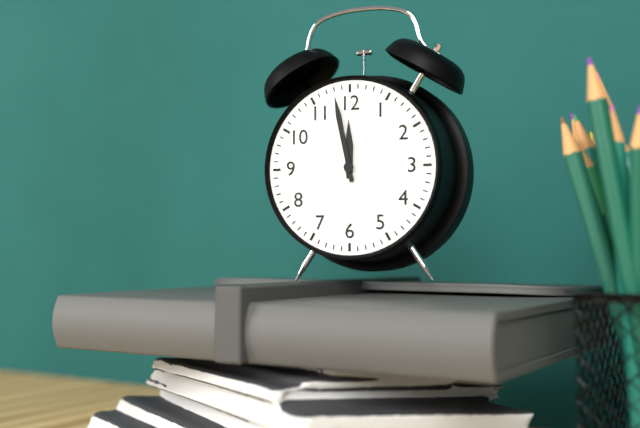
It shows 11h58
